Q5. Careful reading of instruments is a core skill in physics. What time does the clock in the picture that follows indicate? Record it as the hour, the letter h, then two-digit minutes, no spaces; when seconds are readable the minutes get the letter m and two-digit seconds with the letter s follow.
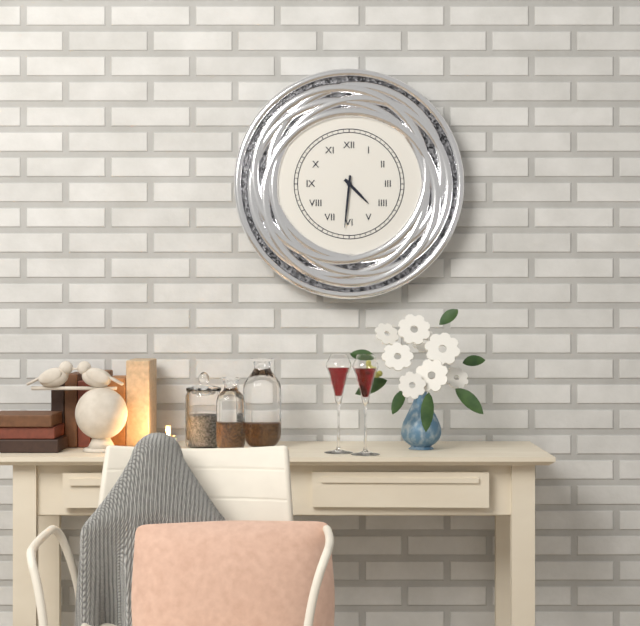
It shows 4h31
